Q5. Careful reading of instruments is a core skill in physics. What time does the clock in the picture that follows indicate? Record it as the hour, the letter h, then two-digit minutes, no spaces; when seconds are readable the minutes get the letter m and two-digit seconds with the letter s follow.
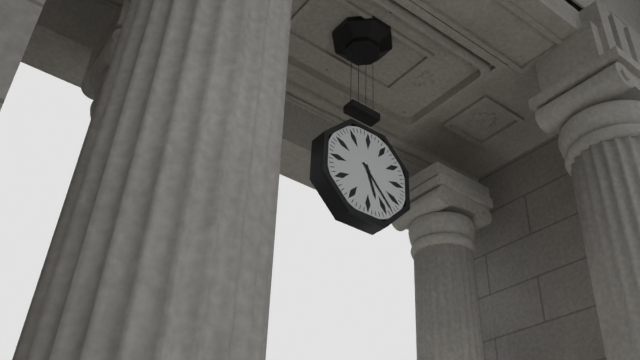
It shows 5h23
